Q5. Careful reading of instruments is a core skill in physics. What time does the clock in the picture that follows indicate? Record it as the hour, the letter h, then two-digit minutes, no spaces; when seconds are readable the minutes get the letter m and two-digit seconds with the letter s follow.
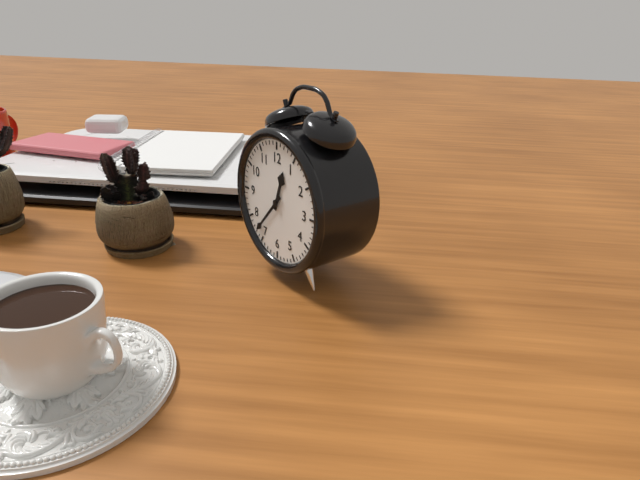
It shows 12h37
